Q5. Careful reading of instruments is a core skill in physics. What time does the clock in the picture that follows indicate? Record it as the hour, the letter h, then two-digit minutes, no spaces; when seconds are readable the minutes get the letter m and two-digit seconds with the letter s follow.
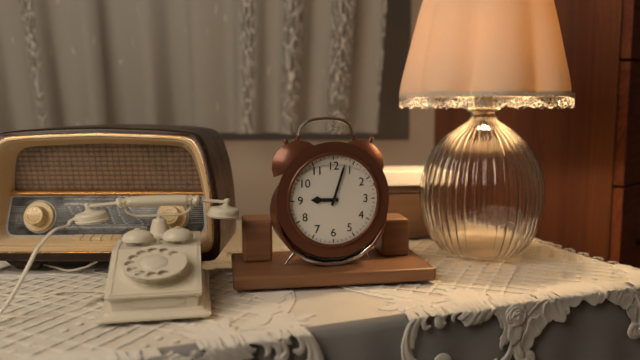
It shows 9h03
